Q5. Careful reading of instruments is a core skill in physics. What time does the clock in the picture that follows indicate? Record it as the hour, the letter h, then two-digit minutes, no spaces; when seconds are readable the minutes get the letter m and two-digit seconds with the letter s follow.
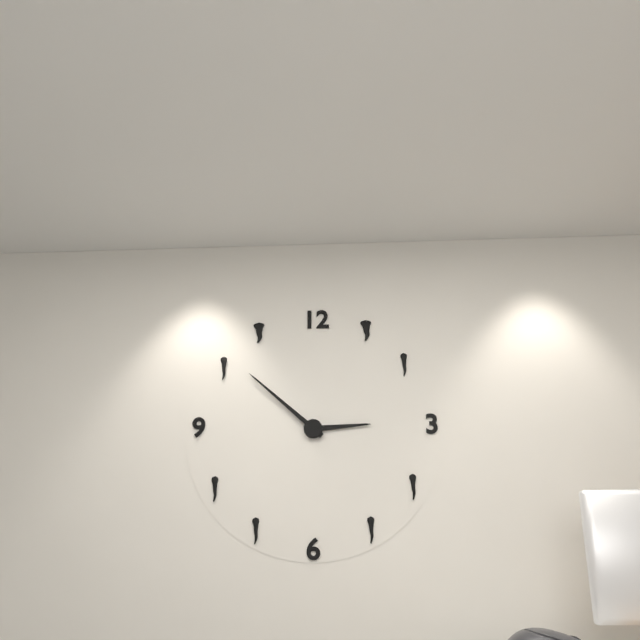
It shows 2h52
